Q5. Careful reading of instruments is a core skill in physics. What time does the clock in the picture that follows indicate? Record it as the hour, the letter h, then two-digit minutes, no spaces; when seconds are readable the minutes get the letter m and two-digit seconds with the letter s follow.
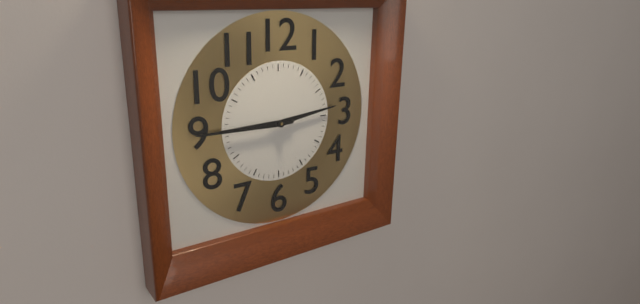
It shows 2h45
